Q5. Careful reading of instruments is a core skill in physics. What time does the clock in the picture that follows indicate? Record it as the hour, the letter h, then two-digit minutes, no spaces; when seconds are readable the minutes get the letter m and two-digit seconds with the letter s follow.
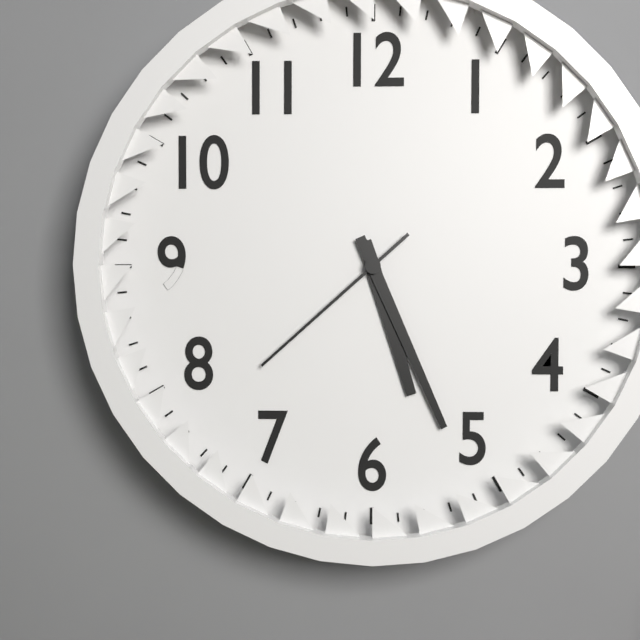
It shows 5h26m38s
